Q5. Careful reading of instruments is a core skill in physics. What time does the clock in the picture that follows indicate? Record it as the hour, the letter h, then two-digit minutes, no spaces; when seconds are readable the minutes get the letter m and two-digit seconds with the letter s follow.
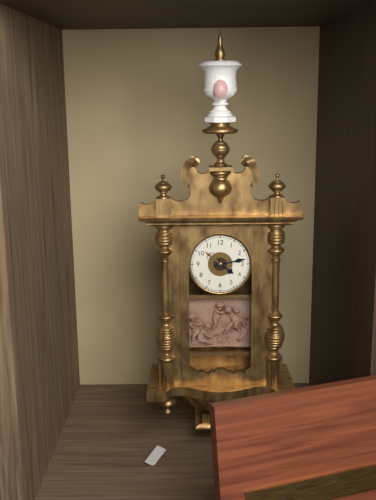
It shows 4h13
